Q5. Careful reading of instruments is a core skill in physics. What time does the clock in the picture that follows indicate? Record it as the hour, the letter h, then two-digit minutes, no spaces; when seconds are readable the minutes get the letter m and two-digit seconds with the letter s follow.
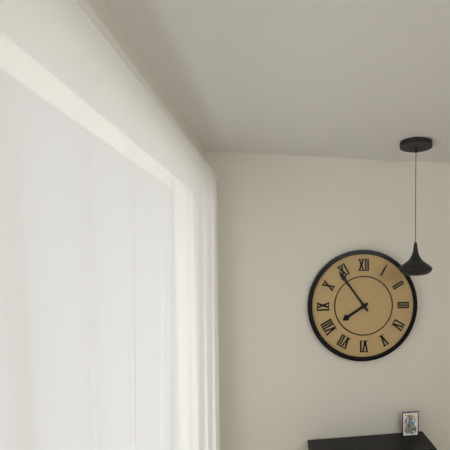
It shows 7h54
